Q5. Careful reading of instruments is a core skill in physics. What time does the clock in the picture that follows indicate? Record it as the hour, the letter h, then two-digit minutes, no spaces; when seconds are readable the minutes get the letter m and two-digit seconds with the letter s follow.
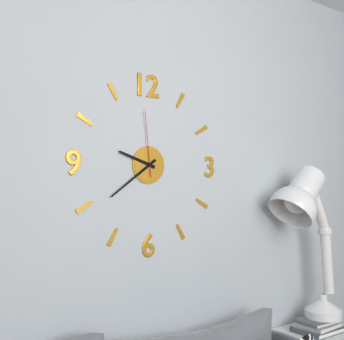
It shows 9h39m59s
